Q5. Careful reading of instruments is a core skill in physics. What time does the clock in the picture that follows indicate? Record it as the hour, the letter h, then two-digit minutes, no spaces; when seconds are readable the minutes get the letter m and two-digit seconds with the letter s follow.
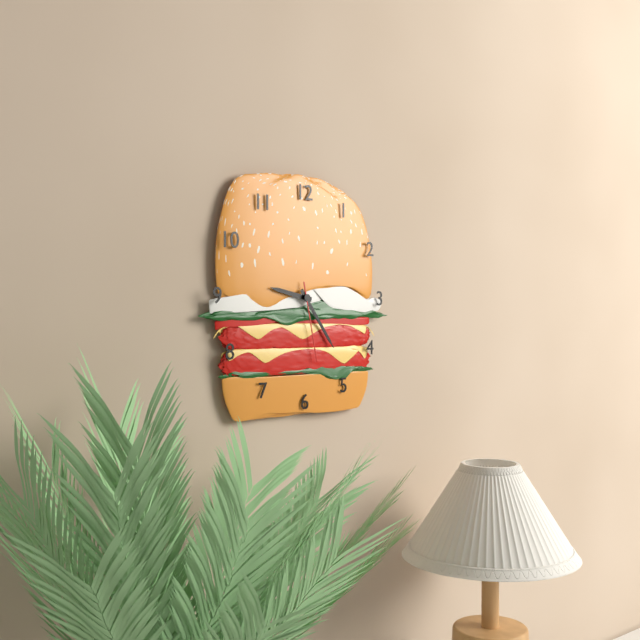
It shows 9h24m28s
